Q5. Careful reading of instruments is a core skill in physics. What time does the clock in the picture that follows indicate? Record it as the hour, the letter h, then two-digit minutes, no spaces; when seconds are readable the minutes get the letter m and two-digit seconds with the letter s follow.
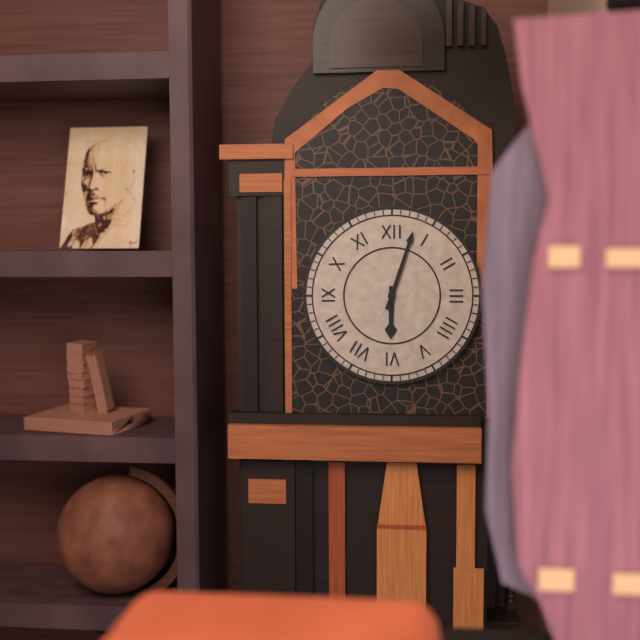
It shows 6h03
